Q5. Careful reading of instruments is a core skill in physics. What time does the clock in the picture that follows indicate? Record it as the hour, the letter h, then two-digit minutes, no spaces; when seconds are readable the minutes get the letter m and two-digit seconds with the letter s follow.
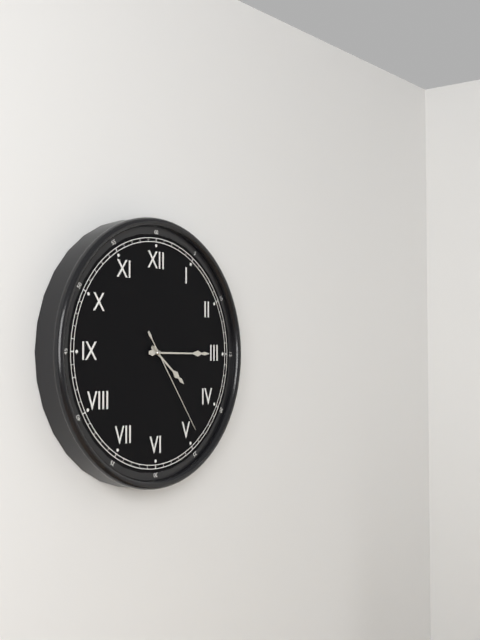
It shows 4h15m24s
